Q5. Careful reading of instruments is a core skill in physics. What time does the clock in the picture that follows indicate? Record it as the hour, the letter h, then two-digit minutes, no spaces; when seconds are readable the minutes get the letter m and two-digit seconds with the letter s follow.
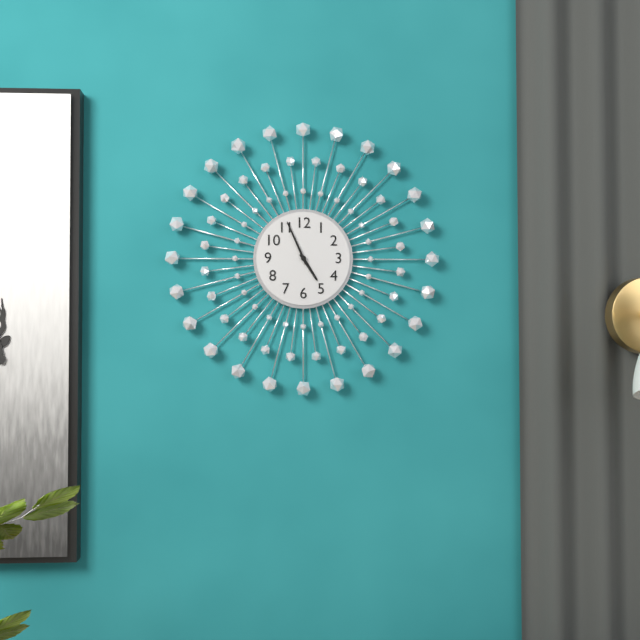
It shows 4h56
